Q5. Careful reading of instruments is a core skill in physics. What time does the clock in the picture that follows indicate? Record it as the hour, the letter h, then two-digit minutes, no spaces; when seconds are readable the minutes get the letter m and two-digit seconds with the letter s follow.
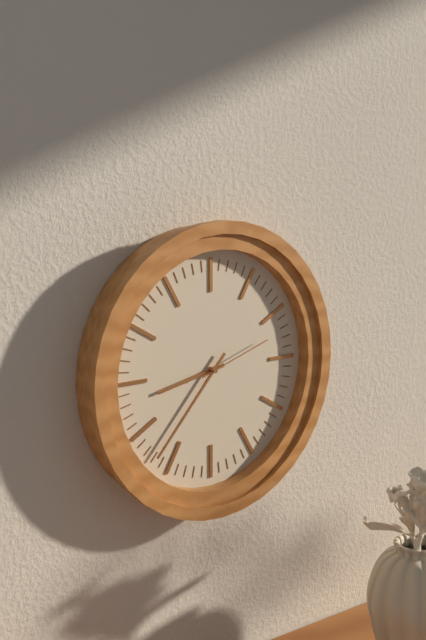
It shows 8h37m12s
